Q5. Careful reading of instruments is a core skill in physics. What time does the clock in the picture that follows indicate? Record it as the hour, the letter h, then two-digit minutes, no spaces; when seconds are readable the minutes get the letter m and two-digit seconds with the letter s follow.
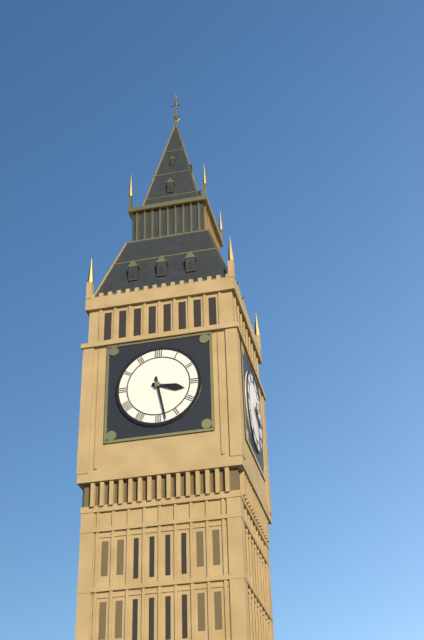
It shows 3h28
